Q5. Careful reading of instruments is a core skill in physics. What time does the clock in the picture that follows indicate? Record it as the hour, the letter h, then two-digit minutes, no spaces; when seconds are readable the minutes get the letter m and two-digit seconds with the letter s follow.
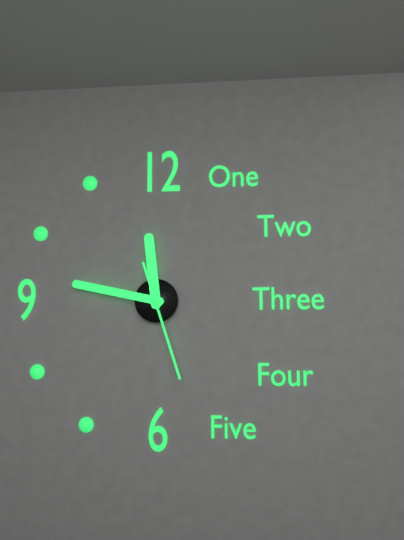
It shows 11h47m27s
